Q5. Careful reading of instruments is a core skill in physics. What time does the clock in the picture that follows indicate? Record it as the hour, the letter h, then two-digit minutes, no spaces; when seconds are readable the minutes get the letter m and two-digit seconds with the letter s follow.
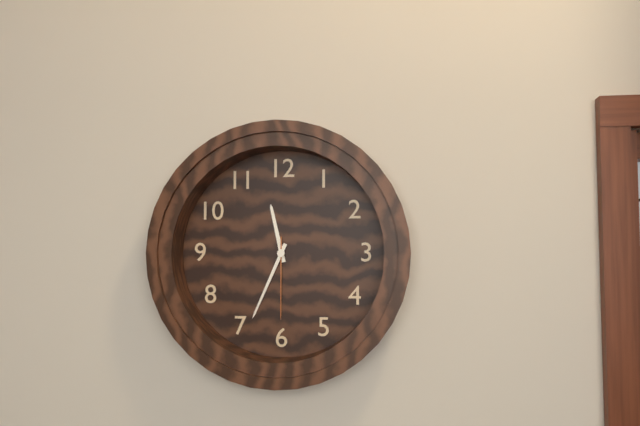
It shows 11h34m30s
